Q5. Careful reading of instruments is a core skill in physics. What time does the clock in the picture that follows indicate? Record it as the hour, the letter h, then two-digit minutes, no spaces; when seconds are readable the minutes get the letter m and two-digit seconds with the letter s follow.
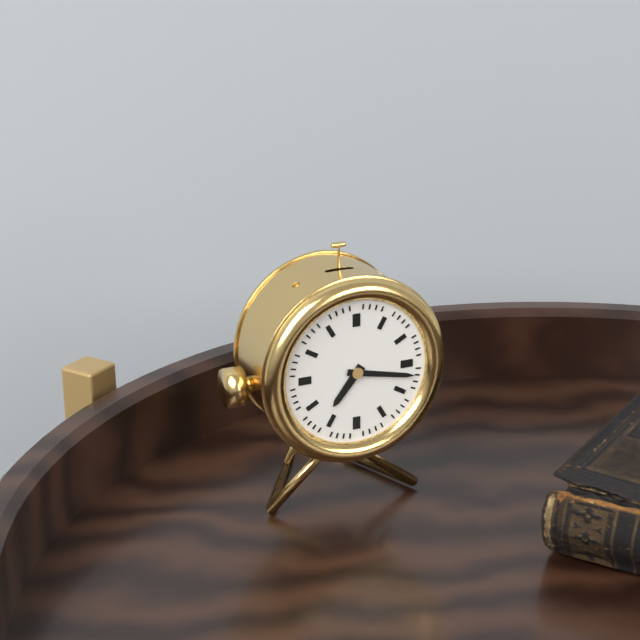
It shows 7h17
